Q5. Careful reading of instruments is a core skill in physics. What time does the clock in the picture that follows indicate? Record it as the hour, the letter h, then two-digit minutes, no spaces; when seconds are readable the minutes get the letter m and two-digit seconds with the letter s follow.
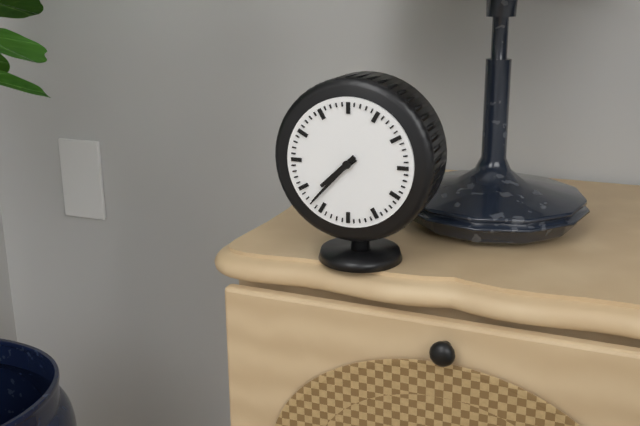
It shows 7h37
